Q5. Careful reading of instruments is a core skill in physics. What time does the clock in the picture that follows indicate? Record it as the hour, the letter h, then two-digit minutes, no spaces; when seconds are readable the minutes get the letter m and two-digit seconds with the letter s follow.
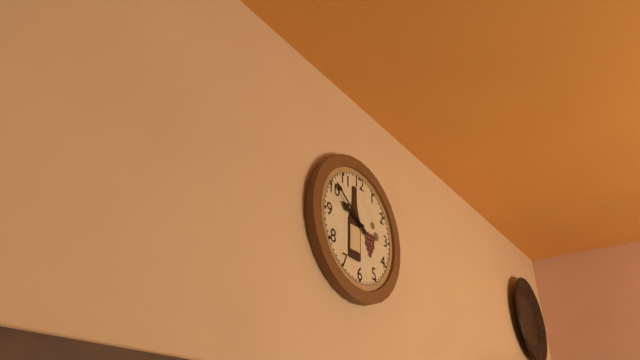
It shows 9h51
